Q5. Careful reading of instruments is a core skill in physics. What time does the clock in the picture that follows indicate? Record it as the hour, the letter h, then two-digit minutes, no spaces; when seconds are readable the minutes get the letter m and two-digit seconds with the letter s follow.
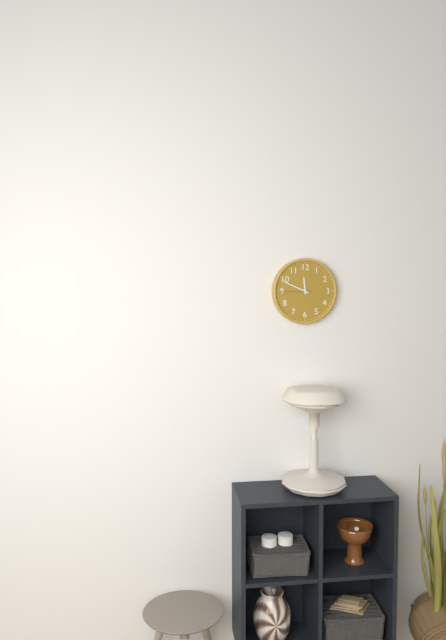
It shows 11h49
